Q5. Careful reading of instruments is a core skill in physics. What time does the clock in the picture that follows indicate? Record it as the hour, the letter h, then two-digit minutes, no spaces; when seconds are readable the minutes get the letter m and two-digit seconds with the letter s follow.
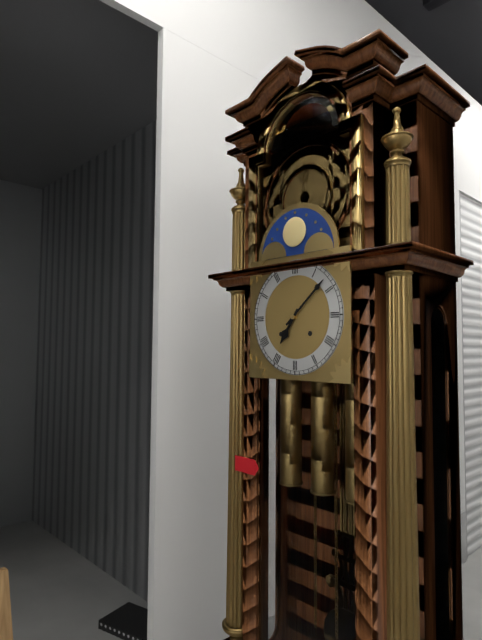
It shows 7h08
